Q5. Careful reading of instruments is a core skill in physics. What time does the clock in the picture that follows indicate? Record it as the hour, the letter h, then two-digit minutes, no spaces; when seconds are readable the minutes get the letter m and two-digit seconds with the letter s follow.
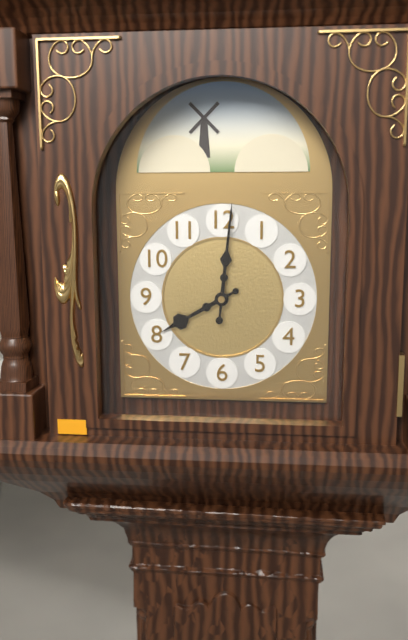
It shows 8h01
